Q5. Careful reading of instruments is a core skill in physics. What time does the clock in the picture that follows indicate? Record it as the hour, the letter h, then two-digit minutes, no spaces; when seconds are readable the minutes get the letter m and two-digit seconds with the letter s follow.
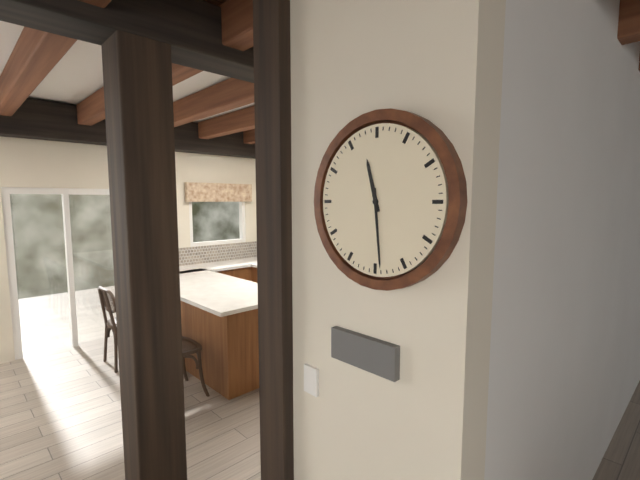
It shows 11h29
